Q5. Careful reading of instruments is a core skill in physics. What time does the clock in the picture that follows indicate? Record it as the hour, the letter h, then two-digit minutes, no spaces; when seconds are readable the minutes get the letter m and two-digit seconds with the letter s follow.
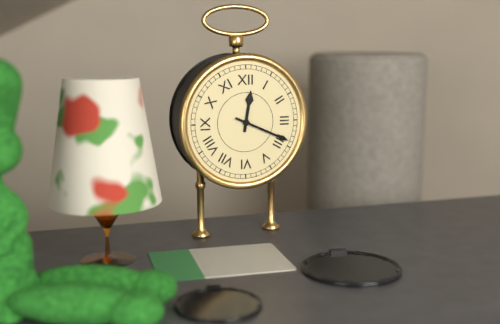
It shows 12h19
